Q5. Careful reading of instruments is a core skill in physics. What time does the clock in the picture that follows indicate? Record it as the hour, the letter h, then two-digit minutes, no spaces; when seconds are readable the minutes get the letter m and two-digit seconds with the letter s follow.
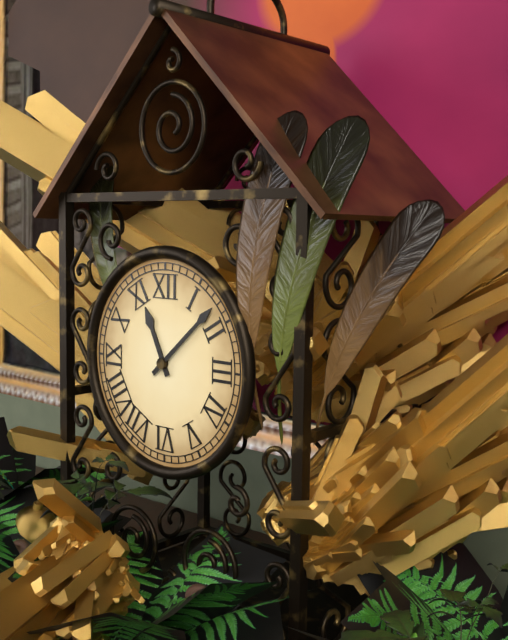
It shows 11h08
